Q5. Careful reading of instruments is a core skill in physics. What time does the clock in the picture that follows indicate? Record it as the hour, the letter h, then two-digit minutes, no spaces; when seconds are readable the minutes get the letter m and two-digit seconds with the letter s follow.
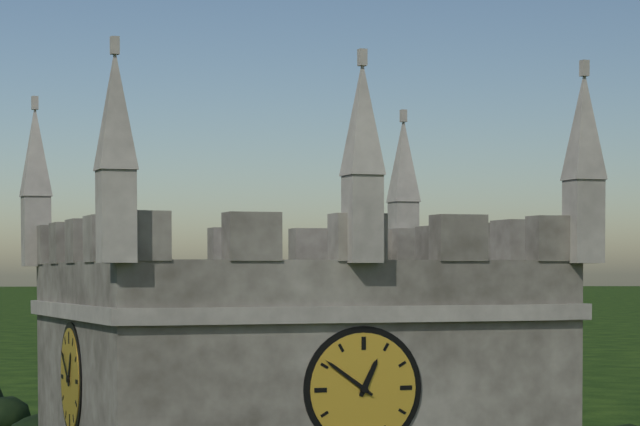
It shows 12h51
